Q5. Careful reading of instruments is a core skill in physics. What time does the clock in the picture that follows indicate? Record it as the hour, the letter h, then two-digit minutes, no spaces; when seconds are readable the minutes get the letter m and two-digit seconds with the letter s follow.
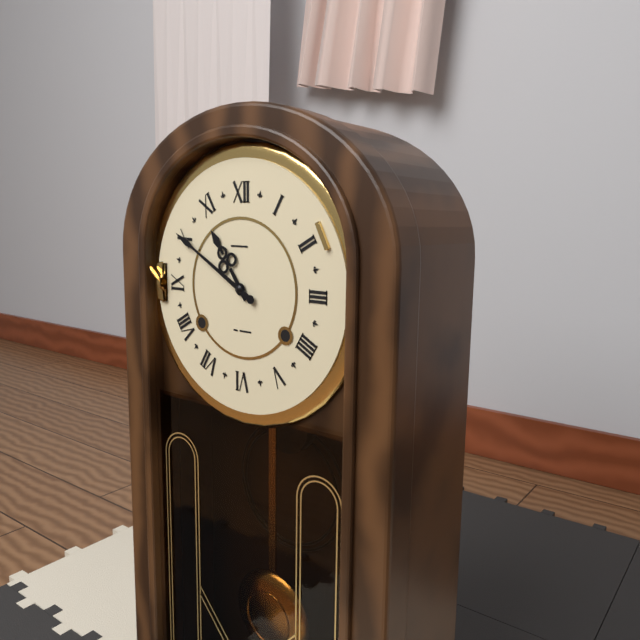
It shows 10h50
